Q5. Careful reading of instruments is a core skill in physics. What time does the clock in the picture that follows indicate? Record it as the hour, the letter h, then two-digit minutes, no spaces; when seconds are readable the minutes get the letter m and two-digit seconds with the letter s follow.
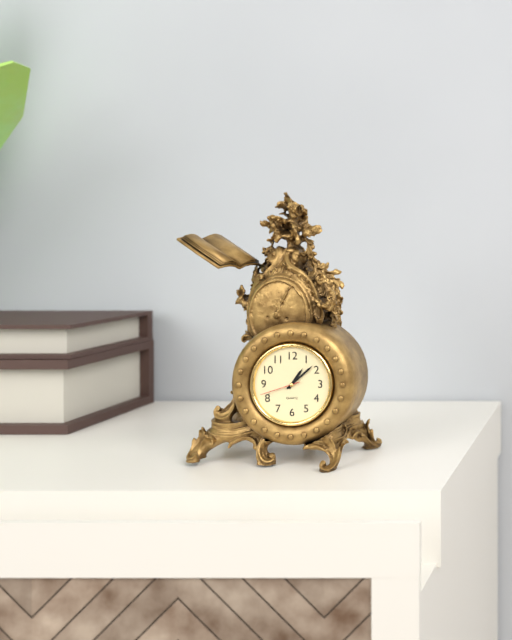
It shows 1h08
